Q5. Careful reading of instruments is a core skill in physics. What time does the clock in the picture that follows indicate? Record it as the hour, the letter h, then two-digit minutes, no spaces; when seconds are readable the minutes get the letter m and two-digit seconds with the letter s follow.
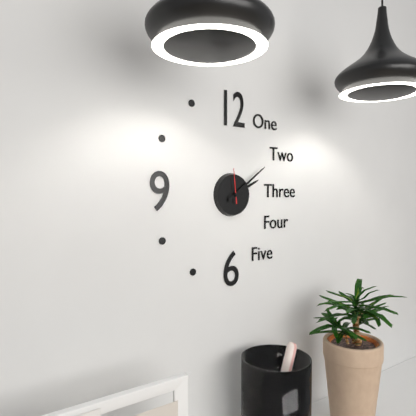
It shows 2h09
